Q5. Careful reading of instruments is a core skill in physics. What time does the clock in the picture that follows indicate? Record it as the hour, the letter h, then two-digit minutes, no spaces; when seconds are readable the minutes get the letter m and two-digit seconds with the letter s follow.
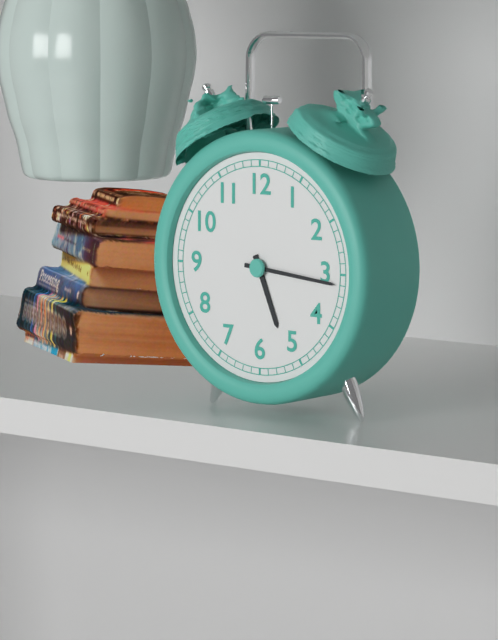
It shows 5h16
